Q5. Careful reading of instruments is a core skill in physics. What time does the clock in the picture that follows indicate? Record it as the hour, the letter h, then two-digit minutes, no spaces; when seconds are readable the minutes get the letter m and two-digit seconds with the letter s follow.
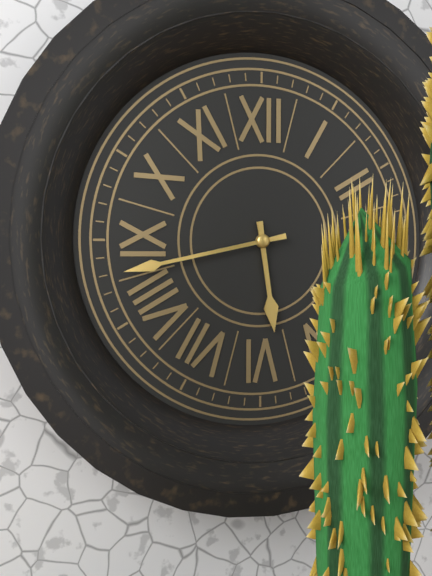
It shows 5h43
